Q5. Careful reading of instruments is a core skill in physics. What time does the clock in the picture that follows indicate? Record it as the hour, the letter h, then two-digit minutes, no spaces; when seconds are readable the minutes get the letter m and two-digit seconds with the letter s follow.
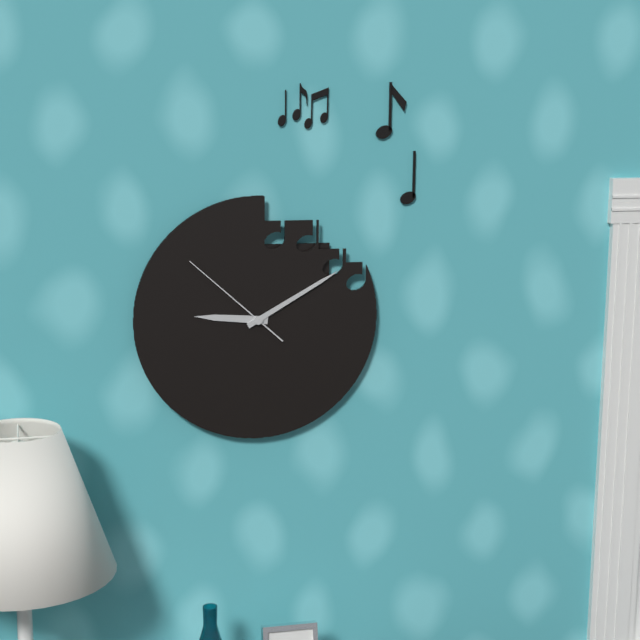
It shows 9h10m52s
